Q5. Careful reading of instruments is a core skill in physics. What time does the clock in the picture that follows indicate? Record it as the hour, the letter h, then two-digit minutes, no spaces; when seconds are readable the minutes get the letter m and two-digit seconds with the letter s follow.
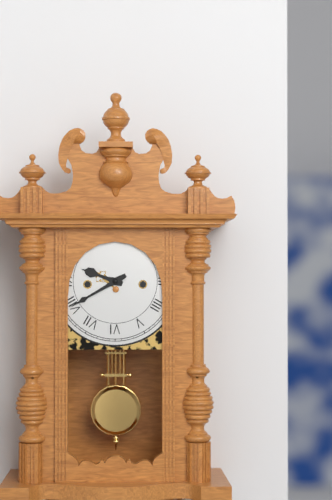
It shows 9h40
